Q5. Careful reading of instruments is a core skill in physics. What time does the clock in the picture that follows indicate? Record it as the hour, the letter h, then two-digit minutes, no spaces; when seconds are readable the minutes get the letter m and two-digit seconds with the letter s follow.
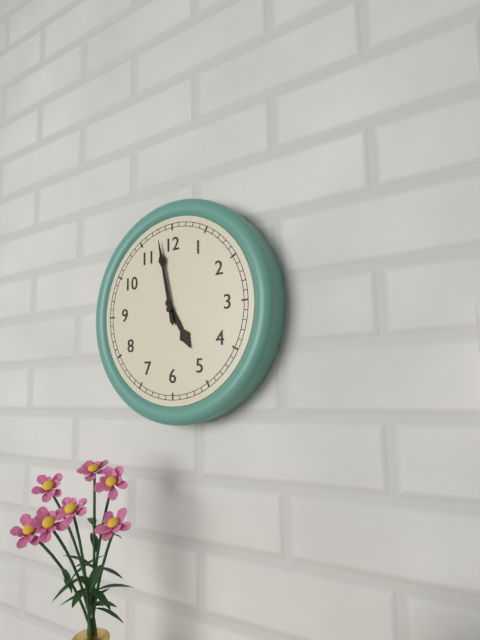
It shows 4h58
